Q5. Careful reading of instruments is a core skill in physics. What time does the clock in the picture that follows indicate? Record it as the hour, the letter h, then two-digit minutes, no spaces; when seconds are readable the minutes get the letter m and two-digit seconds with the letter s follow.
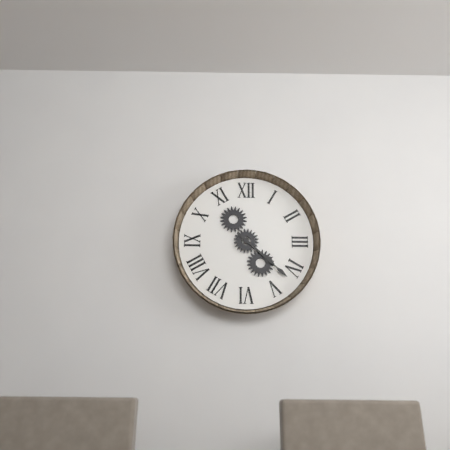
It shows 4h22
